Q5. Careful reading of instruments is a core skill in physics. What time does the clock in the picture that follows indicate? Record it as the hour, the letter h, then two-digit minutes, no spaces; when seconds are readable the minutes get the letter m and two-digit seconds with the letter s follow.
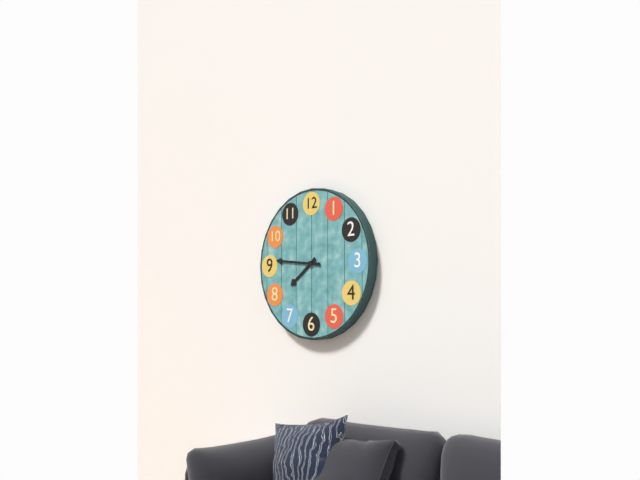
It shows 7h46
